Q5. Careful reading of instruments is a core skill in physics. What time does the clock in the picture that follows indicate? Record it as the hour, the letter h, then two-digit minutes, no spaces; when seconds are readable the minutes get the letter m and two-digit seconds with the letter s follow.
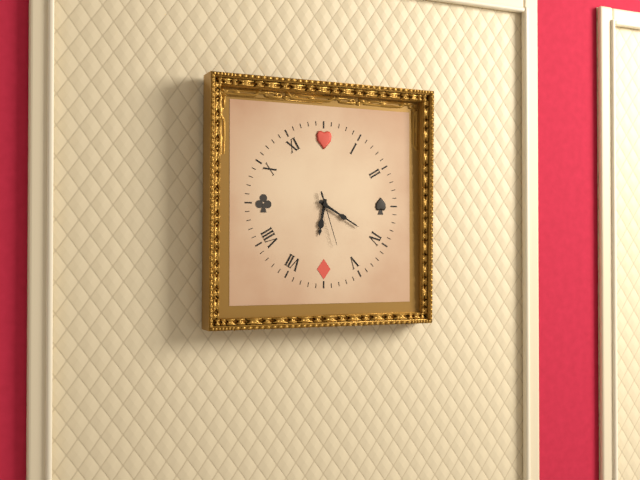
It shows 6h20m27s
